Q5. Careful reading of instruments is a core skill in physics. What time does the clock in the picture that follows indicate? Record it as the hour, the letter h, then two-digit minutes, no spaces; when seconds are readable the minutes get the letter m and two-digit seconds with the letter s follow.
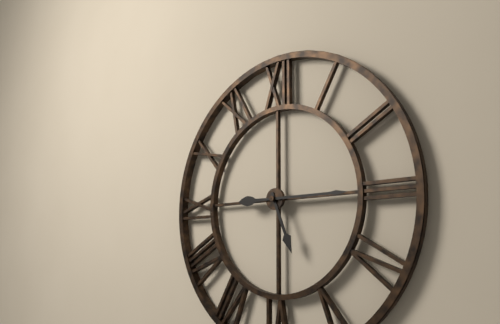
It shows 5h15
